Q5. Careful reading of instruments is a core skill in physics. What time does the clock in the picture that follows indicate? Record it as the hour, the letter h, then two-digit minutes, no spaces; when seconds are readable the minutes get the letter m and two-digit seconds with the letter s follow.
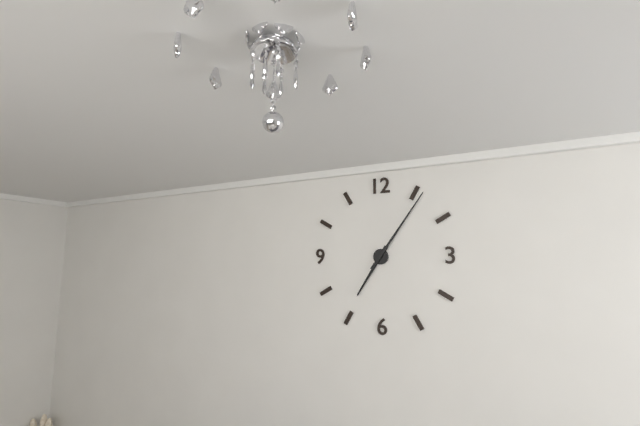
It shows 7h06
